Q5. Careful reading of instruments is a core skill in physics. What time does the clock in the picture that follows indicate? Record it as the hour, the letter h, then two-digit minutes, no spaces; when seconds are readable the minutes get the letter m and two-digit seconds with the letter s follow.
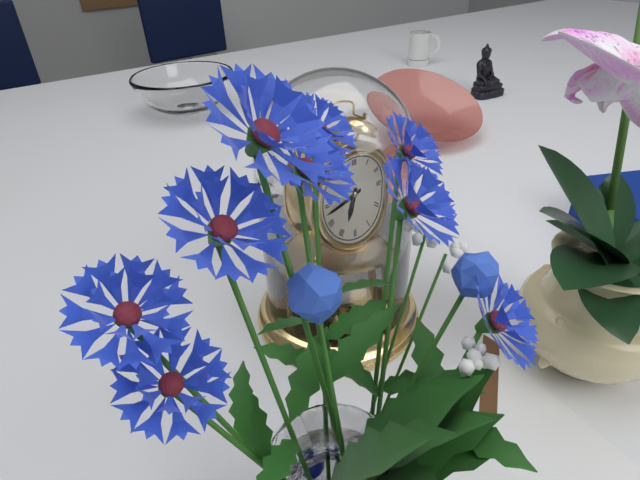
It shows 6h43
